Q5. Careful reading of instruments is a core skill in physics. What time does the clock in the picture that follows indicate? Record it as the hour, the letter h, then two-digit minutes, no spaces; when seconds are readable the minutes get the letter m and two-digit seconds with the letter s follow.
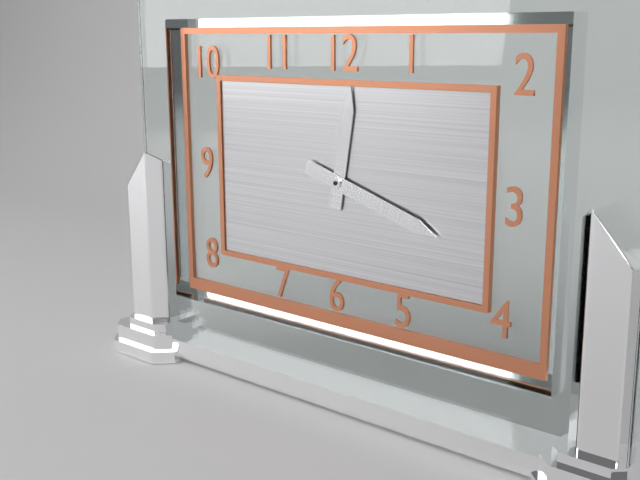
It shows 12h18
